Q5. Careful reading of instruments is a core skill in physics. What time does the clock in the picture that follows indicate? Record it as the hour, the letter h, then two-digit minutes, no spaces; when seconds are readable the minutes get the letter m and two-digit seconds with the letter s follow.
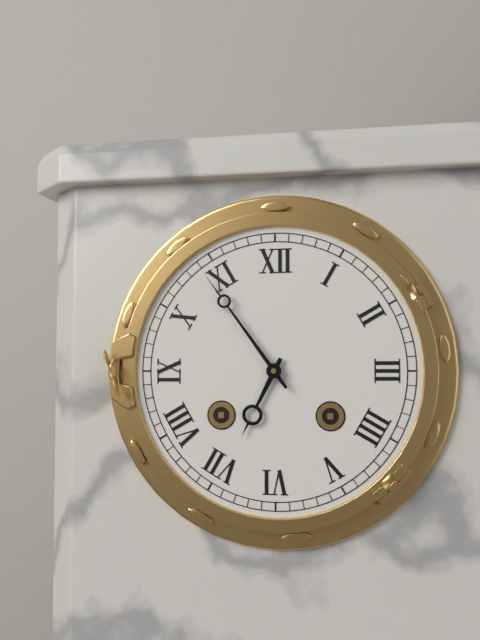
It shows 6h54
